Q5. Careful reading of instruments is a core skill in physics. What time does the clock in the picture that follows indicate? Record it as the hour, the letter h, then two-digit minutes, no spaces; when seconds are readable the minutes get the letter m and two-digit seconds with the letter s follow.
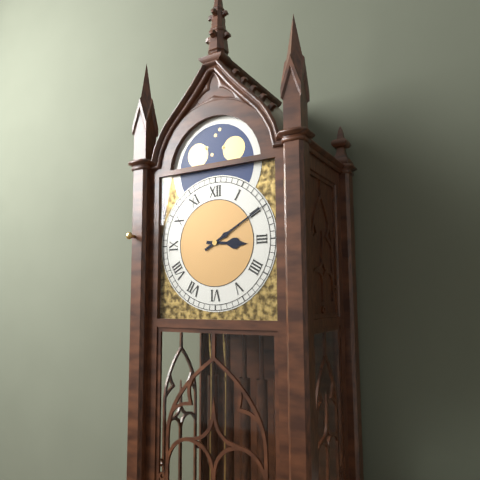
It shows 3h10
